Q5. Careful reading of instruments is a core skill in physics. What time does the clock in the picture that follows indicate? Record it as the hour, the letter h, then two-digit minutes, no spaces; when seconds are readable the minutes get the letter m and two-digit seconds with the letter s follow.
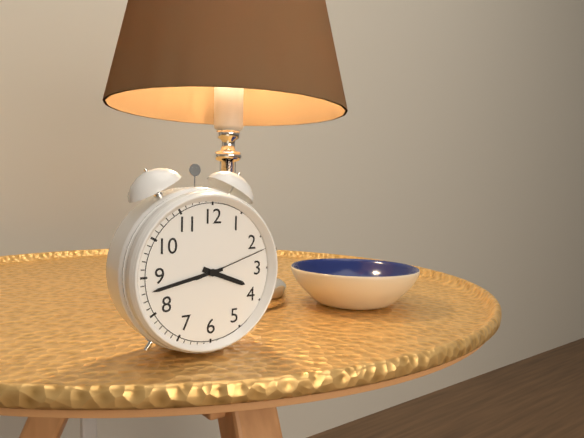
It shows 3h43m12s
